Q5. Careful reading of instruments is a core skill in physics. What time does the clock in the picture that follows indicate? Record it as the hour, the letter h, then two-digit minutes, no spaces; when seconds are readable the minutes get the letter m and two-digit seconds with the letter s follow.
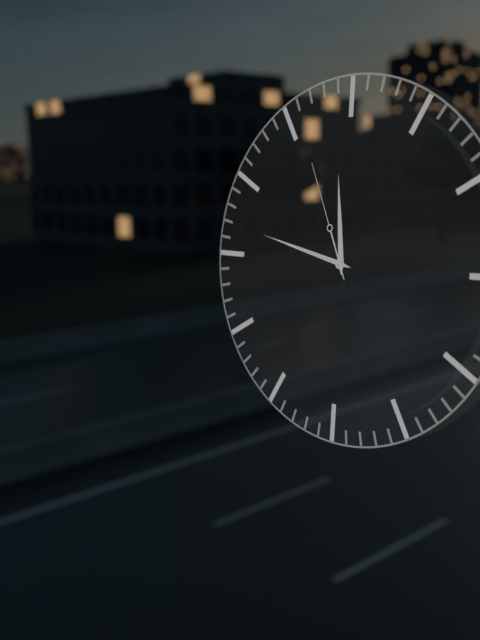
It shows 11h47m56s
